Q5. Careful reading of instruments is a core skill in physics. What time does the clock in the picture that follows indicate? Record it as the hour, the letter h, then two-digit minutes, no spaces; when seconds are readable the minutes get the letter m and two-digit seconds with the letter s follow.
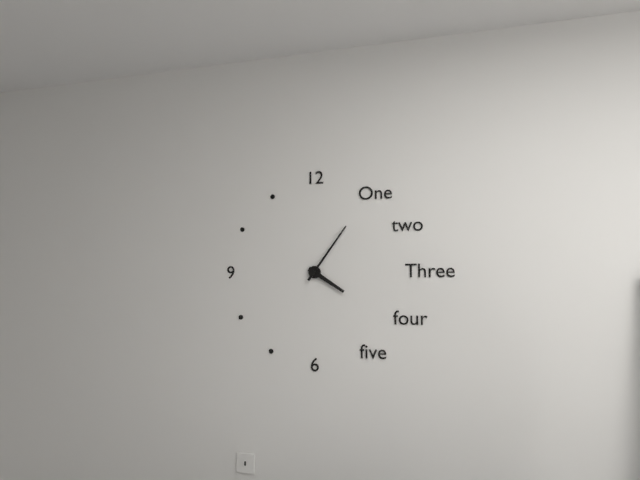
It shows 4h06
